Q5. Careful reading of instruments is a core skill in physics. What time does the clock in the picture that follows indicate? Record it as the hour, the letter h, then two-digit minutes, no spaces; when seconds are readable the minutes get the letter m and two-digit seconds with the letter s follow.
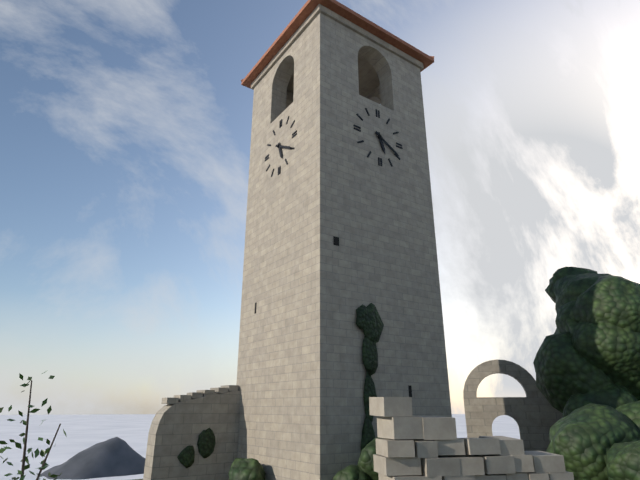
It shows 5h20
